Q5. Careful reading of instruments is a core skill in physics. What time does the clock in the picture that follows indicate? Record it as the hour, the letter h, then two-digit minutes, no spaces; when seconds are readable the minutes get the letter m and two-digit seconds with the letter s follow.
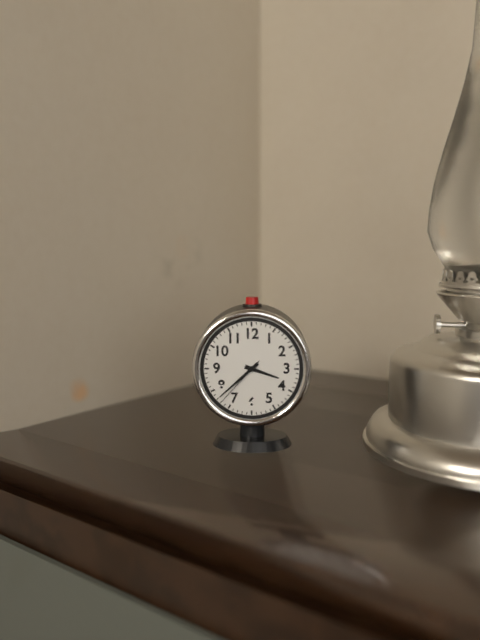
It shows 3h38m37s
